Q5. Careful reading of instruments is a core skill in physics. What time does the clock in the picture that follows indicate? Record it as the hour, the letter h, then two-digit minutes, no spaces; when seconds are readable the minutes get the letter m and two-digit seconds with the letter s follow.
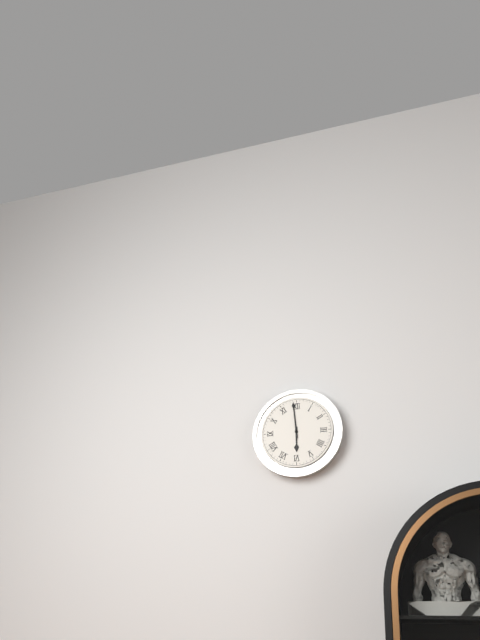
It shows 5h59
